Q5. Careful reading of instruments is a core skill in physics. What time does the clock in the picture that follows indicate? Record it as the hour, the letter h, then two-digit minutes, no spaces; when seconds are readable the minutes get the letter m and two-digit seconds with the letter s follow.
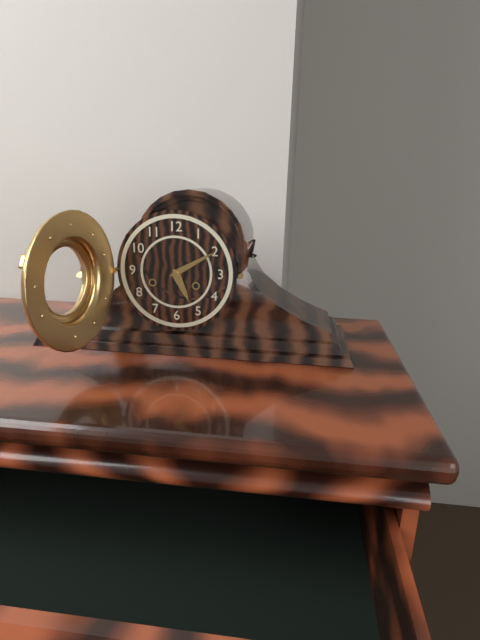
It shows 5h10
